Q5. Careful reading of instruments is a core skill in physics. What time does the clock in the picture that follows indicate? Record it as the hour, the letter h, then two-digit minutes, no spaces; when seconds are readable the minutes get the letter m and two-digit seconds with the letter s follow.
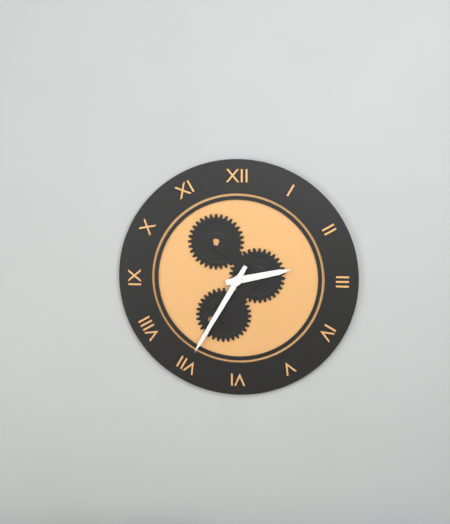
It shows 2h35
